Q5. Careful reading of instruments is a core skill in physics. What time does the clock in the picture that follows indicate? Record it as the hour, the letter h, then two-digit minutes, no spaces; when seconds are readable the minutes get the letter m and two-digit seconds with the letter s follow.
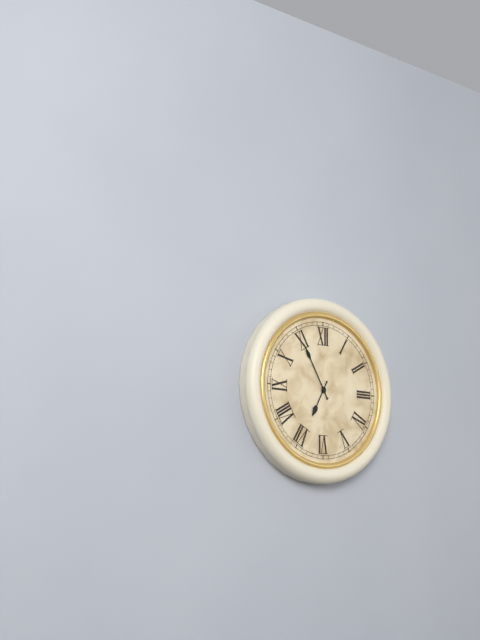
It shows 6h55
